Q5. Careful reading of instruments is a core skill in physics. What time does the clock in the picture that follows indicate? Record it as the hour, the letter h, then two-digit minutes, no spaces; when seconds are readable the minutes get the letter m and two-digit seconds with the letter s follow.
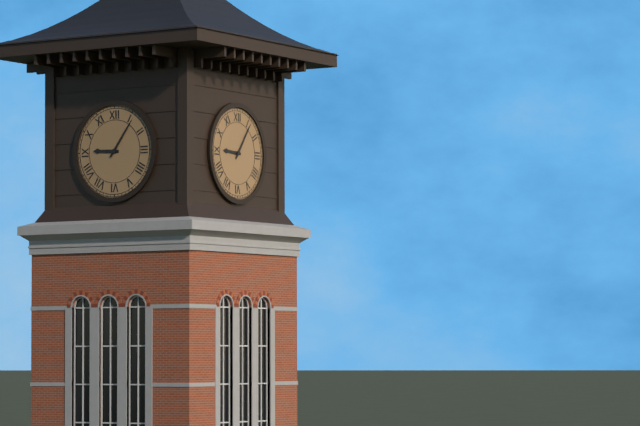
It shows 9h06
